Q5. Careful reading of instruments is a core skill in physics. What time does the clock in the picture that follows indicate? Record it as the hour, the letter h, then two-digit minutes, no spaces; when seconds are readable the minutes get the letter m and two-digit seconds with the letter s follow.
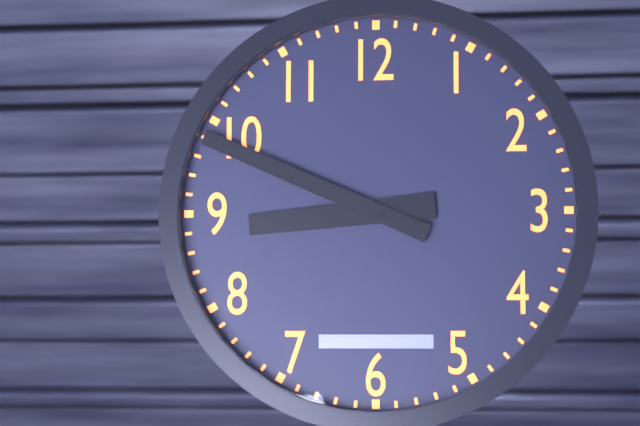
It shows 8h49
